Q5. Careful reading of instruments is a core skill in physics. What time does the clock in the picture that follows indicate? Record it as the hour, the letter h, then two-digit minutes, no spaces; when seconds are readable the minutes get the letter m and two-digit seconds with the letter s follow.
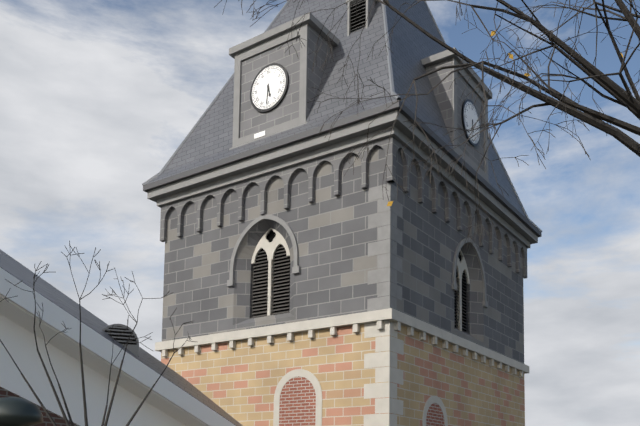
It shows 5h31
